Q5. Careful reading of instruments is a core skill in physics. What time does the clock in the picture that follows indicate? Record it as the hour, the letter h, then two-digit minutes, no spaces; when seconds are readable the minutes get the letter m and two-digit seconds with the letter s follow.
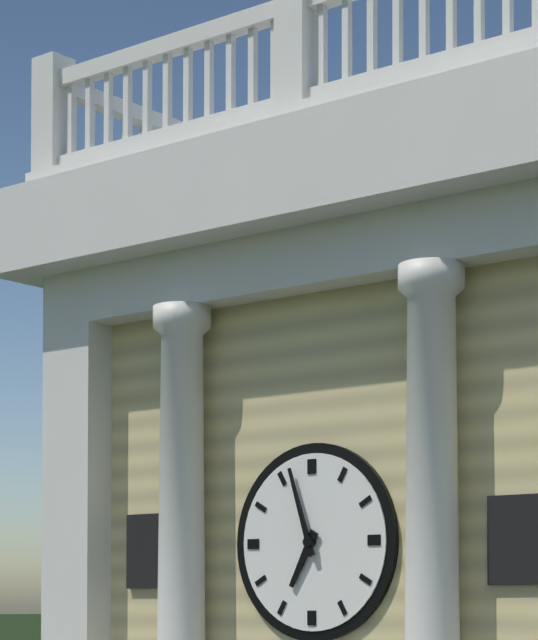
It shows 6h57
